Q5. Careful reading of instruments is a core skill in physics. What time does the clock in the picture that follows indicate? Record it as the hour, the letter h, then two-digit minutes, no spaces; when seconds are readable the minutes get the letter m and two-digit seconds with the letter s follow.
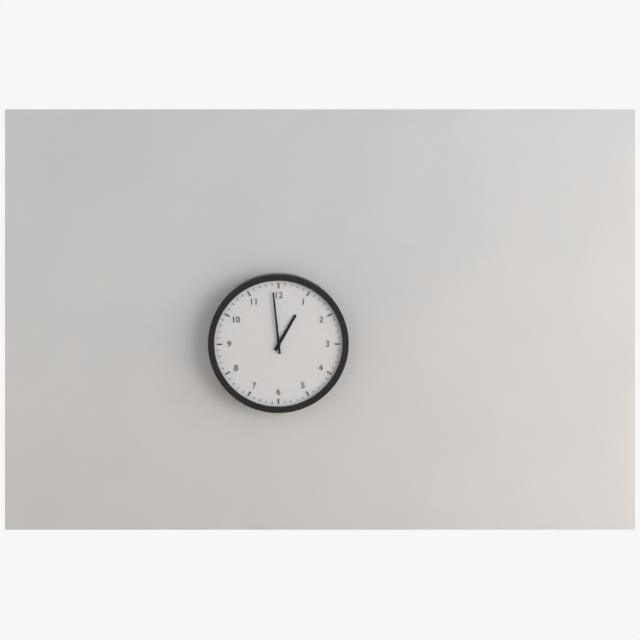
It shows 12h59
